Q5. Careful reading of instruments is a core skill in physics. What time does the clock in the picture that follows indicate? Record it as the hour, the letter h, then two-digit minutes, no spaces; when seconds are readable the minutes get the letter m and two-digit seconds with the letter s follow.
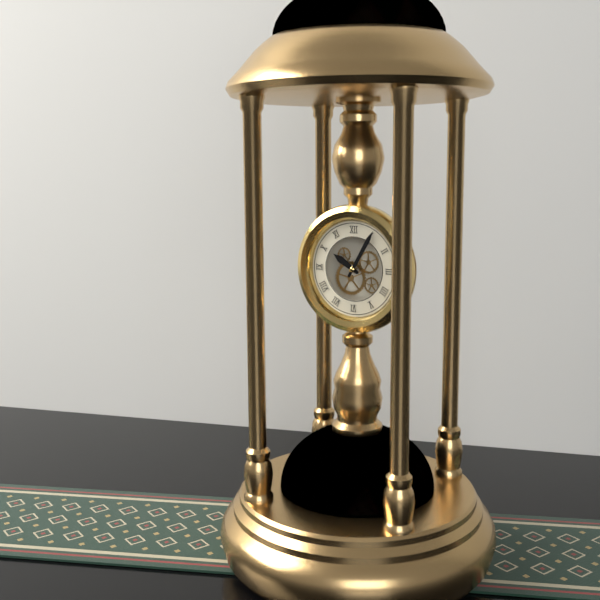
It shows 10h05
